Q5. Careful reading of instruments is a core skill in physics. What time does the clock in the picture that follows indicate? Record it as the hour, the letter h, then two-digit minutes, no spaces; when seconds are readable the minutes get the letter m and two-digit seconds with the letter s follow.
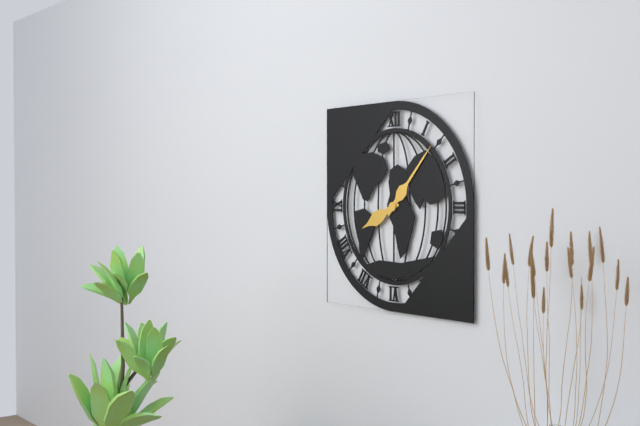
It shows 8h07
